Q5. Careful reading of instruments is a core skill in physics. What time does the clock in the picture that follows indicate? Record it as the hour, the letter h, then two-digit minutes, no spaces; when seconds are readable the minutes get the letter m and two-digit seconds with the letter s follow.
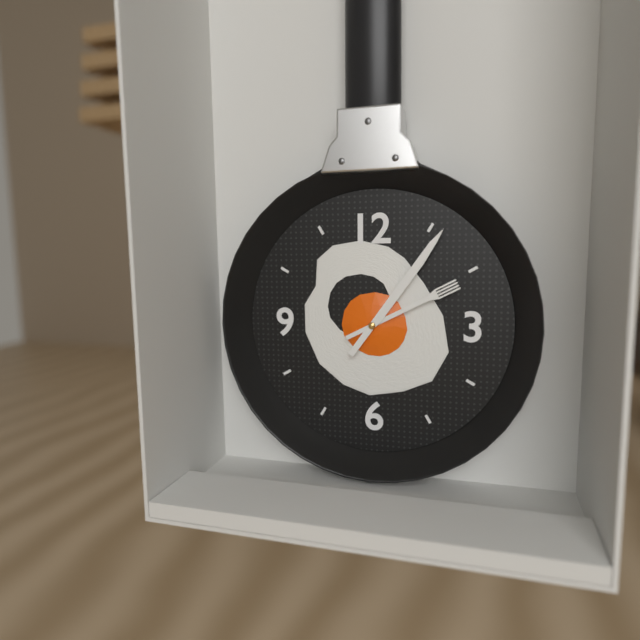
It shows 2h06
